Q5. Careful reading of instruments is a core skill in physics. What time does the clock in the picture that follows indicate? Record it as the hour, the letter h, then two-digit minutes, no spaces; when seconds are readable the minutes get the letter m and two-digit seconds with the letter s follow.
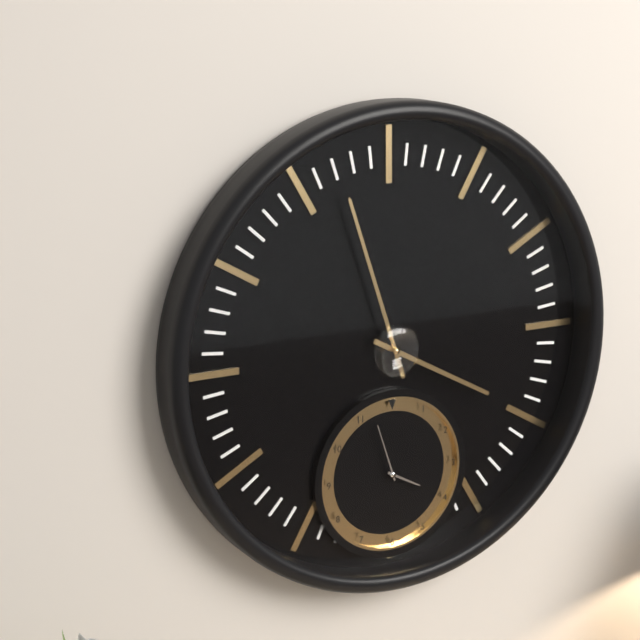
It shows 3h57
